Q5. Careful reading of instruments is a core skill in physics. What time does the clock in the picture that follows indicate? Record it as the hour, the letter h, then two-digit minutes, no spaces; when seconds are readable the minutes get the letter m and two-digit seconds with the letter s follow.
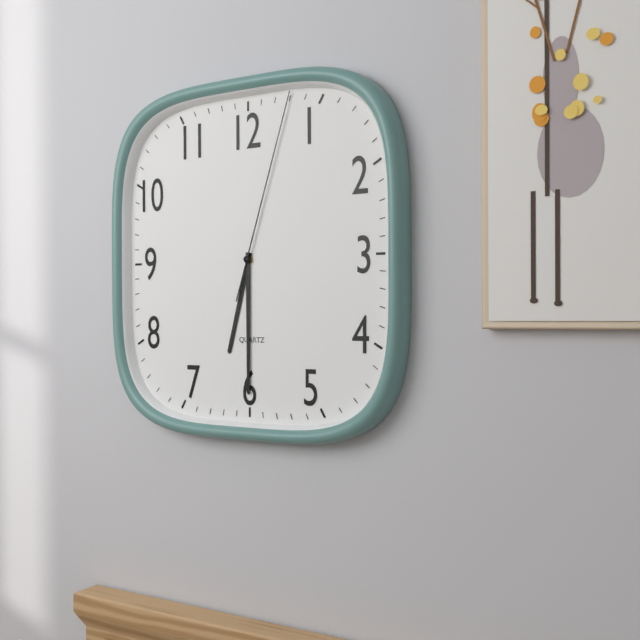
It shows 6h30m03s
